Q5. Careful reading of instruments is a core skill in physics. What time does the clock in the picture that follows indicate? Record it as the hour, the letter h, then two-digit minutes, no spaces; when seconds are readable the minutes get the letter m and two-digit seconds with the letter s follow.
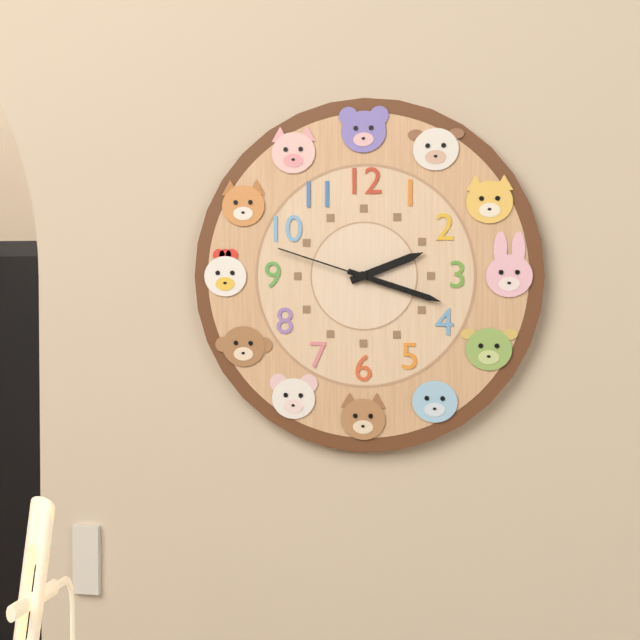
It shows 2h18m48s
